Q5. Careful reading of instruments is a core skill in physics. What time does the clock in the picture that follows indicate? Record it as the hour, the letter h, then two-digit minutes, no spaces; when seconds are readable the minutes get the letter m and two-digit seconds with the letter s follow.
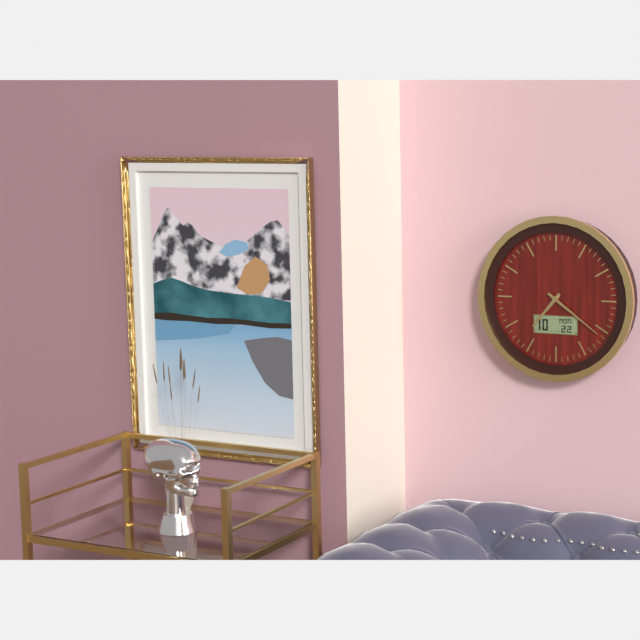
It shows 7h21
